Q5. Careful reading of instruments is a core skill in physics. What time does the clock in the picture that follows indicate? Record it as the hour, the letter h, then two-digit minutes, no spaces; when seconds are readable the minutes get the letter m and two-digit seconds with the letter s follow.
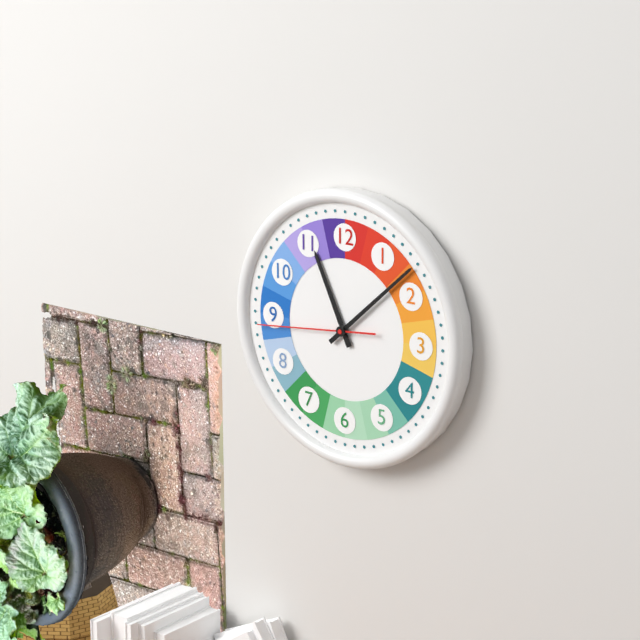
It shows 11h08m44s
